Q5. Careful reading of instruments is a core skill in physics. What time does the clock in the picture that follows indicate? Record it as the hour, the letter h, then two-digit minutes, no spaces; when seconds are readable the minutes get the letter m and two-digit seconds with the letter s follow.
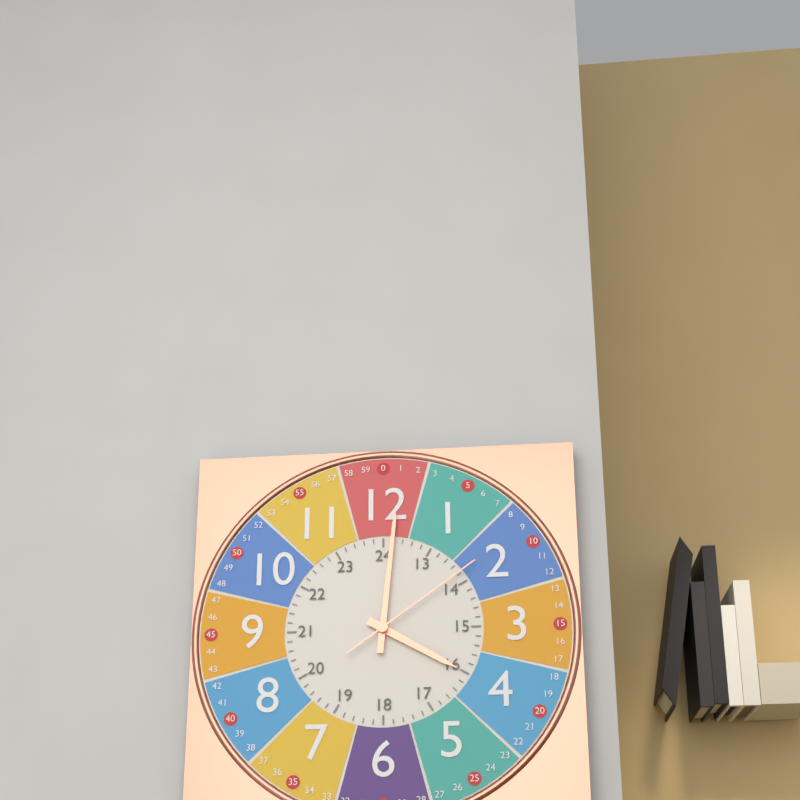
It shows 4h01m09s
